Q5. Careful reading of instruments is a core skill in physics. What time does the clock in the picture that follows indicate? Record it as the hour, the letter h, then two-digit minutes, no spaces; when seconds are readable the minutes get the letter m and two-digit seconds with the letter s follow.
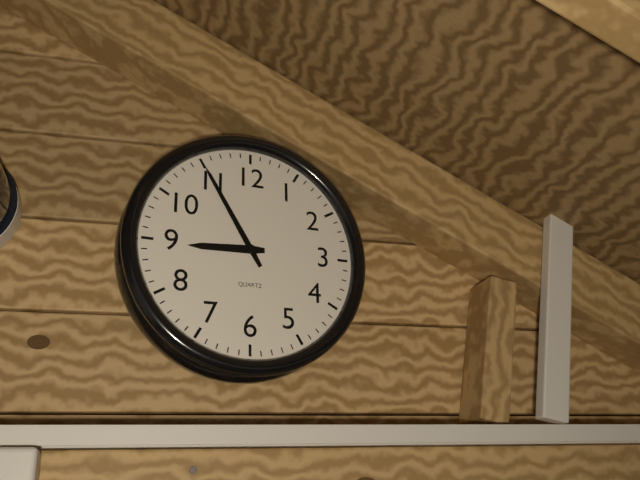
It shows 8h55
